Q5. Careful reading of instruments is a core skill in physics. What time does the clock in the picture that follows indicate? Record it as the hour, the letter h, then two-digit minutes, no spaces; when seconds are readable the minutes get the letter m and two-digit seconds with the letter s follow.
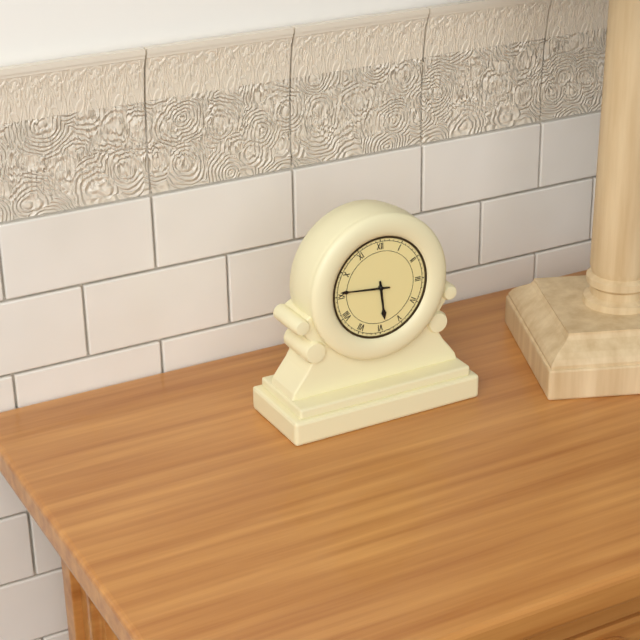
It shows 5h46
